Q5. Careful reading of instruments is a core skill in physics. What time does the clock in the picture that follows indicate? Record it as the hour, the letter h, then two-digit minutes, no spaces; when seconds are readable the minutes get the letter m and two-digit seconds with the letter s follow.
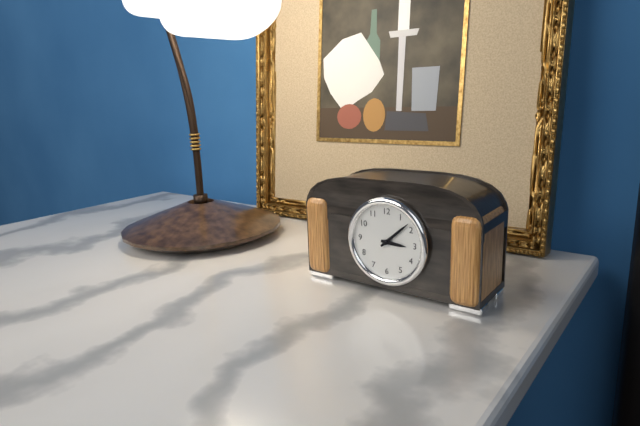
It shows 3h08
